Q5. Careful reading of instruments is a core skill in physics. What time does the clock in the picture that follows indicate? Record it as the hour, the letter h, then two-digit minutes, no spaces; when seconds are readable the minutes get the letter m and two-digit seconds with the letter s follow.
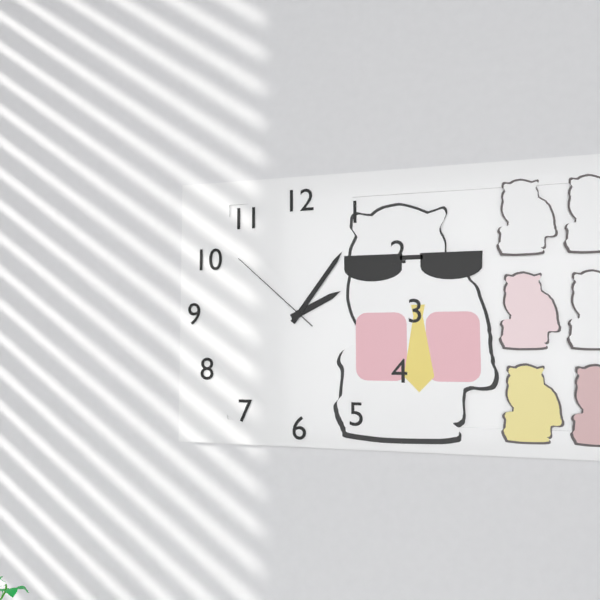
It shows 2h06m52s
